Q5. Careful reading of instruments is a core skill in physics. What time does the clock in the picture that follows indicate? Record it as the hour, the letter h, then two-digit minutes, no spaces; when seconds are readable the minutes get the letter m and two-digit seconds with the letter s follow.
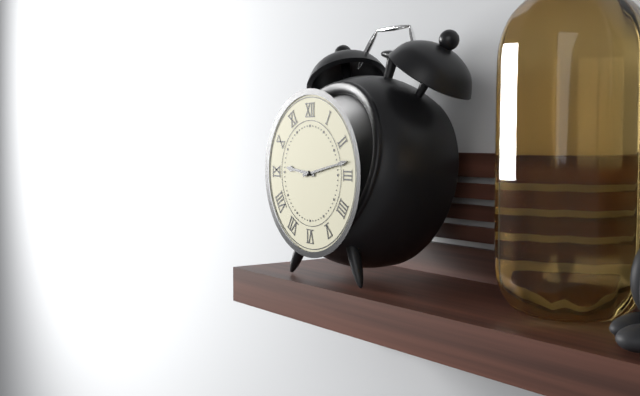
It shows 9h13
